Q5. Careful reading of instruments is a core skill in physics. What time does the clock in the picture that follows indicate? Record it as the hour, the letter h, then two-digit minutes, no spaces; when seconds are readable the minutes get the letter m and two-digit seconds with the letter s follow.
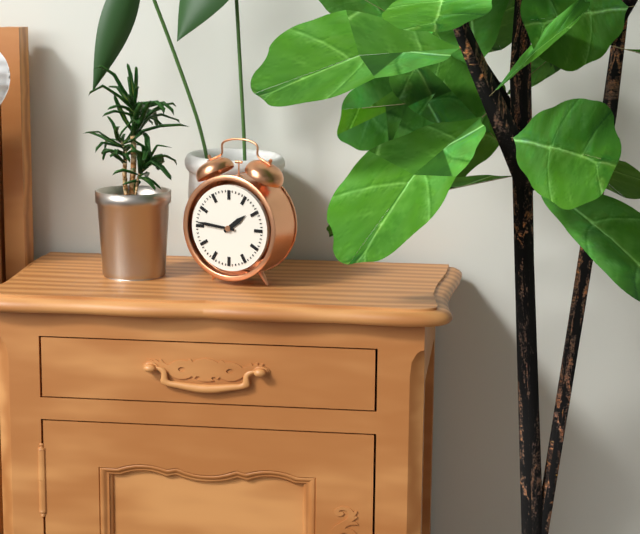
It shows 1h46
